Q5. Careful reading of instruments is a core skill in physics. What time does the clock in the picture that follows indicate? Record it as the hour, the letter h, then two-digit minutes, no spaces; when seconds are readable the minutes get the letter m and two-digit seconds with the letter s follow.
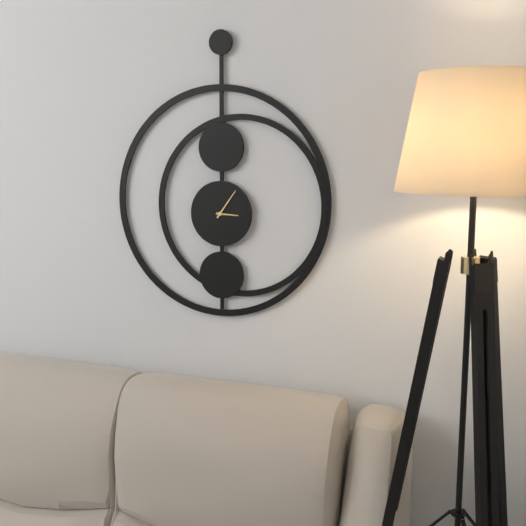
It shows 3h06
